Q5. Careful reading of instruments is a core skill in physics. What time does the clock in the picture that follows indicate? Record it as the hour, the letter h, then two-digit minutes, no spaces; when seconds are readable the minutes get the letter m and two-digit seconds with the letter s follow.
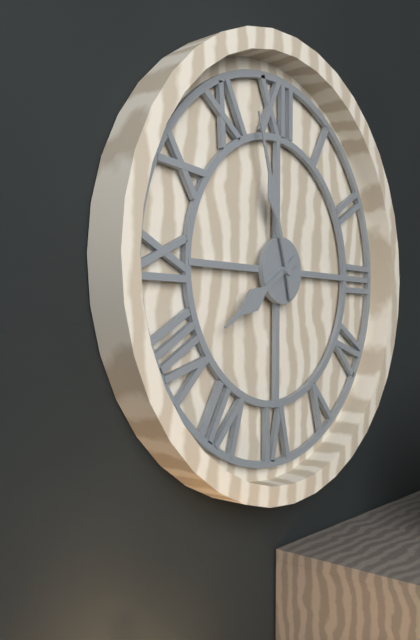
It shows 7h57
